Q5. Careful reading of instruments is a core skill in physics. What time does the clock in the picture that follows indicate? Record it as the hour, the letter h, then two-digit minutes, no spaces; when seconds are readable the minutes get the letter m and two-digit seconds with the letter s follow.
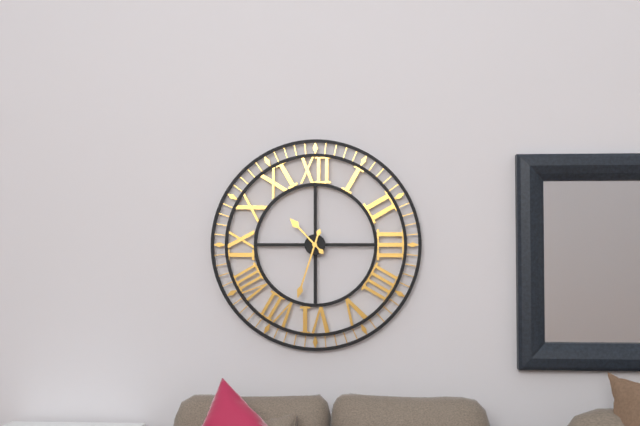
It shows 10h33
